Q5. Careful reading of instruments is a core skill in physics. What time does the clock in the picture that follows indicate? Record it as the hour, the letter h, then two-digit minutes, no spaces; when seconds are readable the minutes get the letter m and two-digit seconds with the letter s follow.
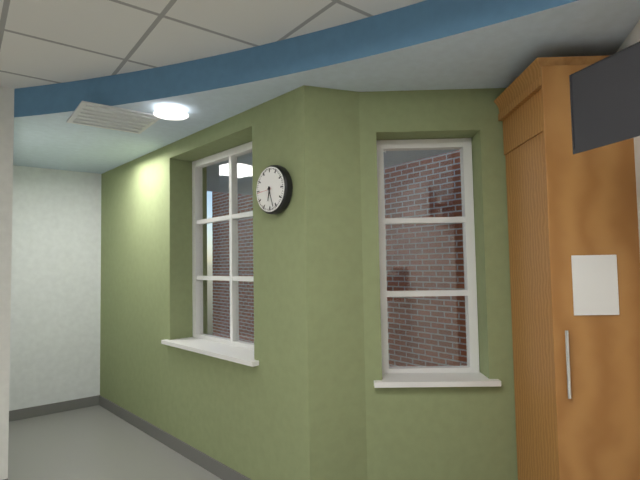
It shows 6h27
